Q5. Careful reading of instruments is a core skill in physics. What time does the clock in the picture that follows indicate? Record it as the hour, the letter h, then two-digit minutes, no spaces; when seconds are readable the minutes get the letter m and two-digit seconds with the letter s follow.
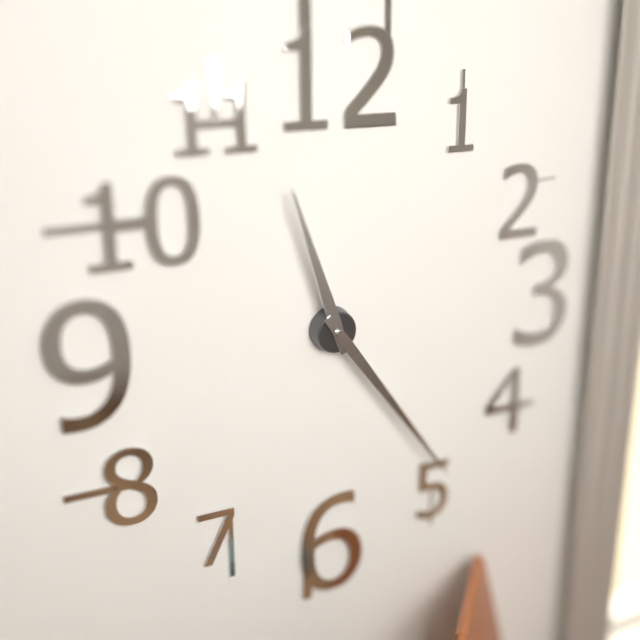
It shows 11h24
